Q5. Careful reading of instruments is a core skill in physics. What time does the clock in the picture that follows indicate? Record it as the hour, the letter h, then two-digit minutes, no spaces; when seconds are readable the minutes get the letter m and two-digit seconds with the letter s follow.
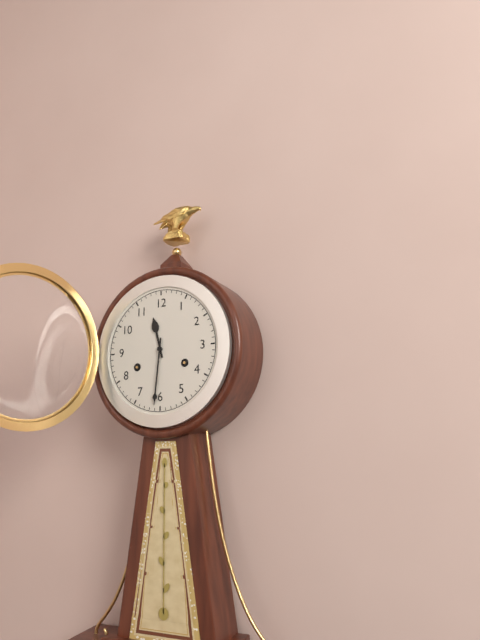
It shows 11h31
